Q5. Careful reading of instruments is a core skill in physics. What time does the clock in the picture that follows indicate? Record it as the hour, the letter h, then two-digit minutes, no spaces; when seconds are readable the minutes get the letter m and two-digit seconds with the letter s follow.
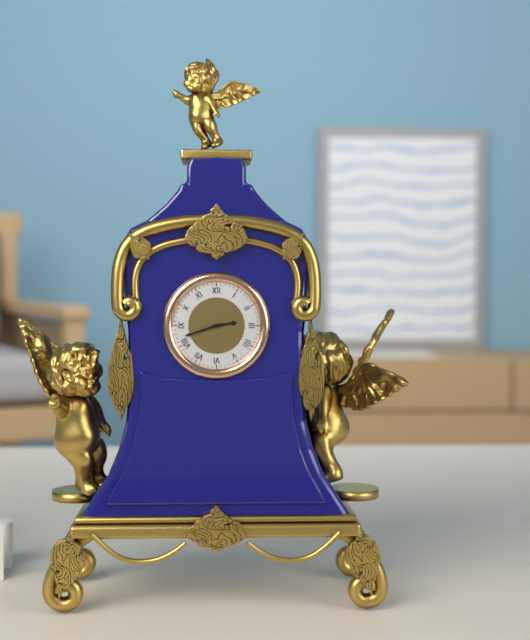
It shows 2h42
